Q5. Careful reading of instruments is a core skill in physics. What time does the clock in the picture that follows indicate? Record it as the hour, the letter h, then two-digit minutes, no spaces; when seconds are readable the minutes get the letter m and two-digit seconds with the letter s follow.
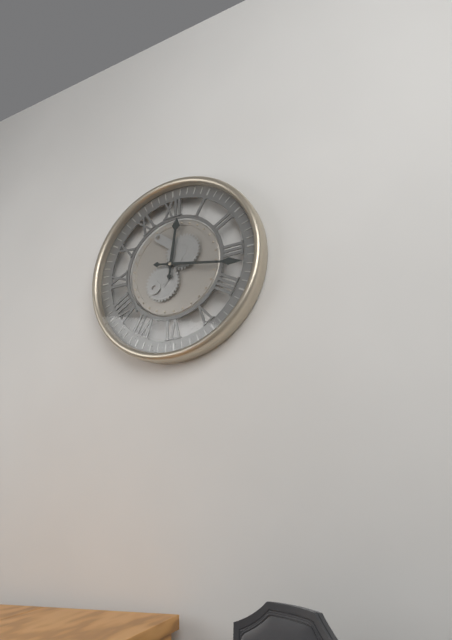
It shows 12h17
